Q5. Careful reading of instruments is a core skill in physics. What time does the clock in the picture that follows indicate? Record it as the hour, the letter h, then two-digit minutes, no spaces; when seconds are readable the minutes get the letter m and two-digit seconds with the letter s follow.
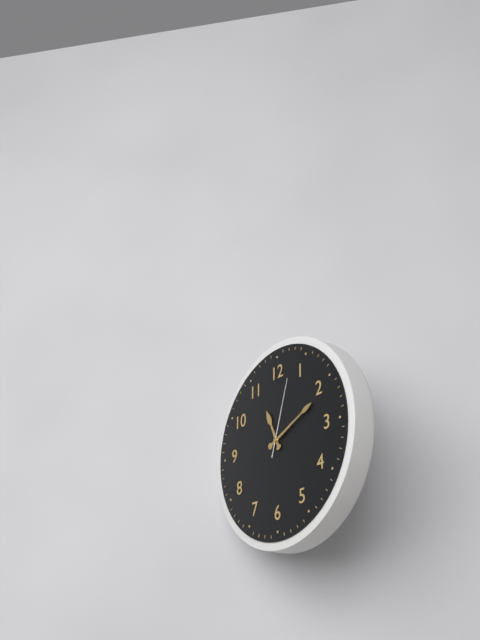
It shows 11h11m03s
